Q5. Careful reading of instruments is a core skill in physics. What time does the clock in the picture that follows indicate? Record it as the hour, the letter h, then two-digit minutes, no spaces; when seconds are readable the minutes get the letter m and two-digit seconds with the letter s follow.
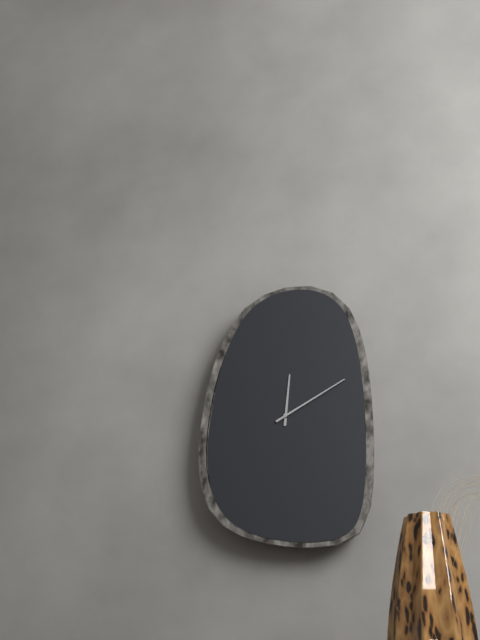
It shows 12h10
